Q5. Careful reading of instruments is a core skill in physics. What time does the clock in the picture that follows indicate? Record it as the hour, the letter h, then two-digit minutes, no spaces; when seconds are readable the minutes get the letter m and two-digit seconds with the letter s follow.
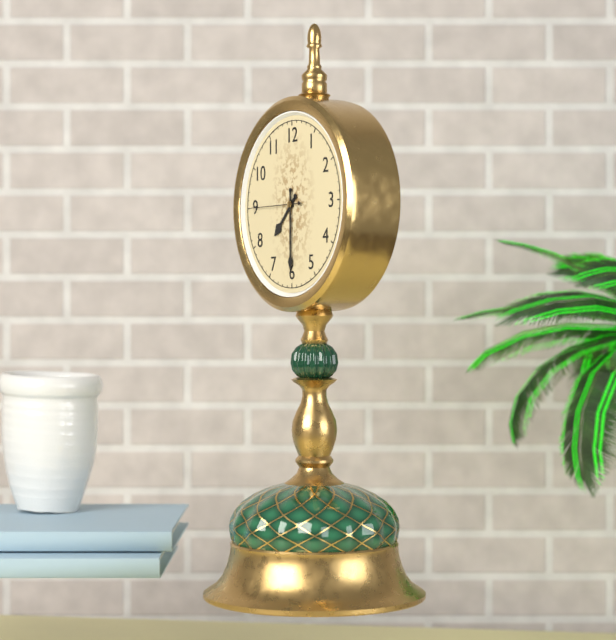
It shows 7h30m45s
